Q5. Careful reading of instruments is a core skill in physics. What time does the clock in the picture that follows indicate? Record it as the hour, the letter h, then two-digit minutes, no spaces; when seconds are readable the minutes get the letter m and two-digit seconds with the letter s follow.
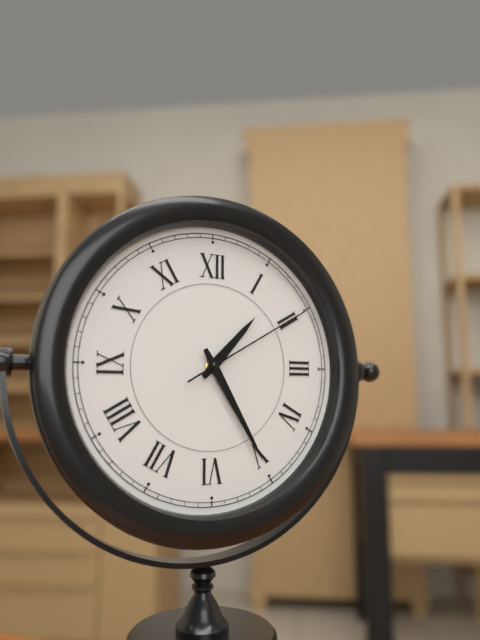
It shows 1h25m10s
